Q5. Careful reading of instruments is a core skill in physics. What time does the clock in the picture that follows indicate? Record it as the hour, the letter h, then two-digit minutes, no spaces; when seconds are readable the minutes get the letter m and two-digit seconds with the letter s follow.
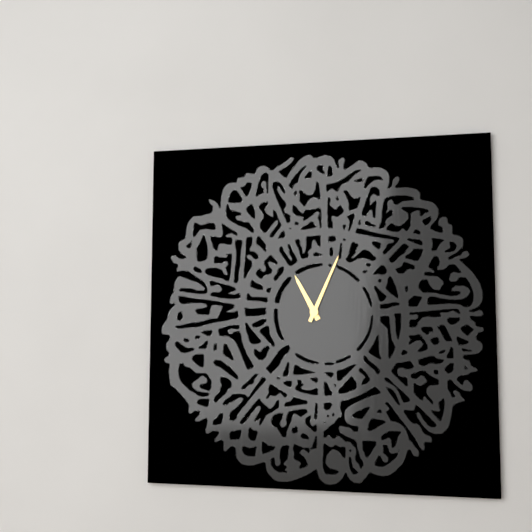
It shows 11h04
